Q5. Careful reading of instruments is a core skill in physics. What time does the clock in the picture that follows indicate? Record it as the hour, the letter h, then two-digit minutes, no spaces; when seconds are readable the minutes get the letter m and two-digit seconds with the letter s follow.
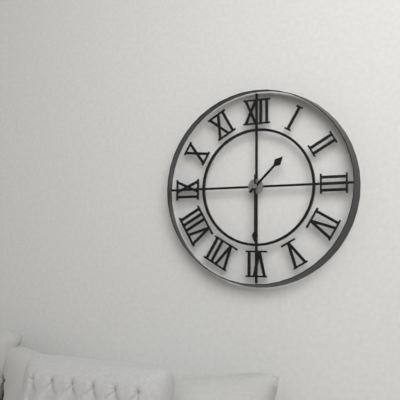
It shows 1h30
